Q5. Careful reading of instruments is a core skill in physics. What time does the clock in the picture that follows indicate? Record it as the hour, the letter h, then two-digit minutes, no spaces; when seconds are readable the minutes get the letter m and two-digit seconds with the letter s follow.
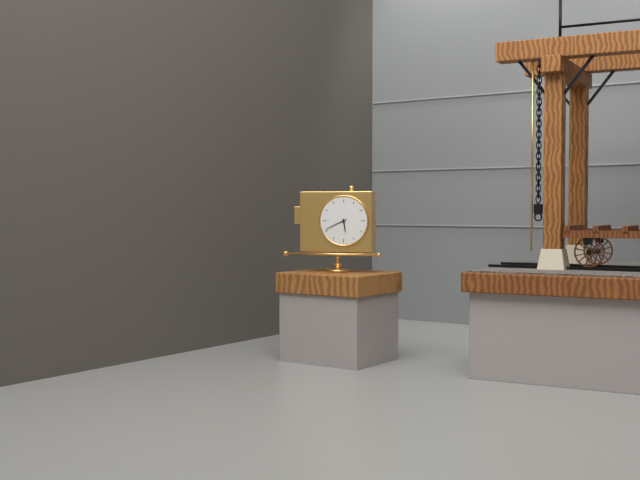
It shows 5h41
